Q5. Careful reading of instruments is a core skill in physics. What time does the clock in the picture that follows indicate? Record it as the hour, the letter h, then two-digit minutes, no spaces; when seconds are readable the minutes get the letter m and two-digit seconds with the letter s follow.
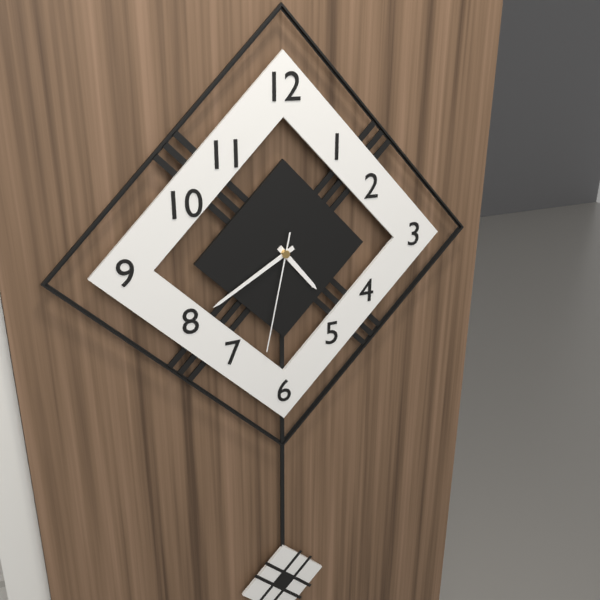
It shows 4h40m32s
